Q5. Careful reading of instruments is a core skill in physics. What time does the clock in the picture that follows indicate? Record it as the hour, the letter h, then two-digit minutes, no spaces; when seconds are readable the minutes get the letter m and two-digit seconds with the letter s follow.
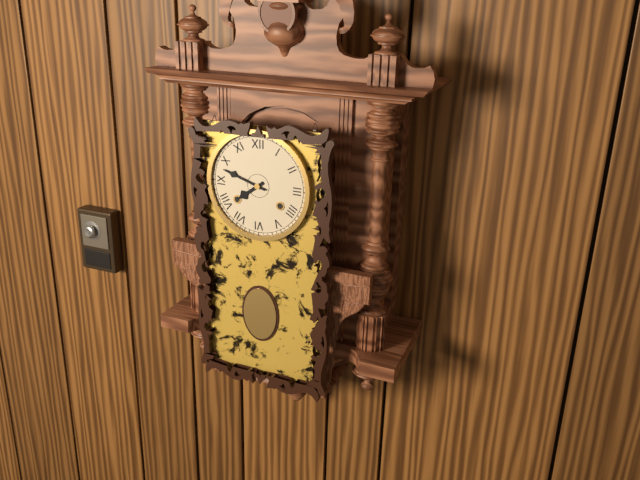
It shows 7h48
